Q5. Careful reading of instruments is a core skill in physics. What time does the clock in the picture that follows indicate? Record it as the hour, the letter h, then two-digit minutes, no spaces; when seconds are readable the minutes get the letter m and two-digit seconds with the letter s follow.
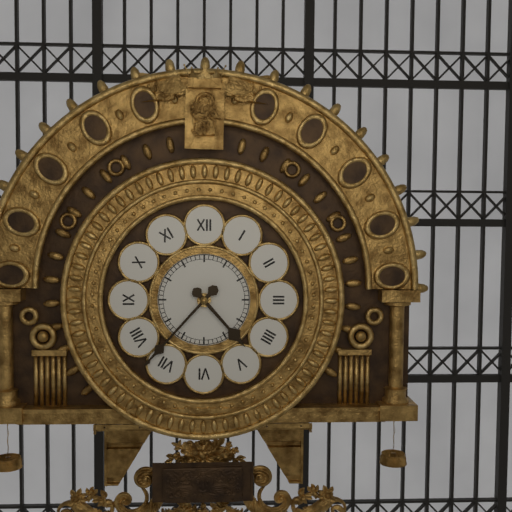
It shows 4h37
